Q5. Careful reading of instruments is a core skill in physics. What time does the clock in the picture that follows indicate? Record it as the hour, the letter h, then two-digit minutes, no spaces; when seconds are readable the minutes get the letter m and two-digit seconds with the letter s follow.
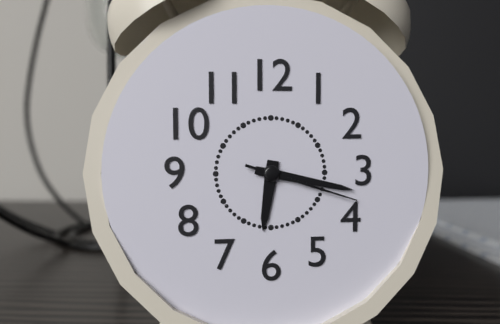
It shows 6h17m18s
